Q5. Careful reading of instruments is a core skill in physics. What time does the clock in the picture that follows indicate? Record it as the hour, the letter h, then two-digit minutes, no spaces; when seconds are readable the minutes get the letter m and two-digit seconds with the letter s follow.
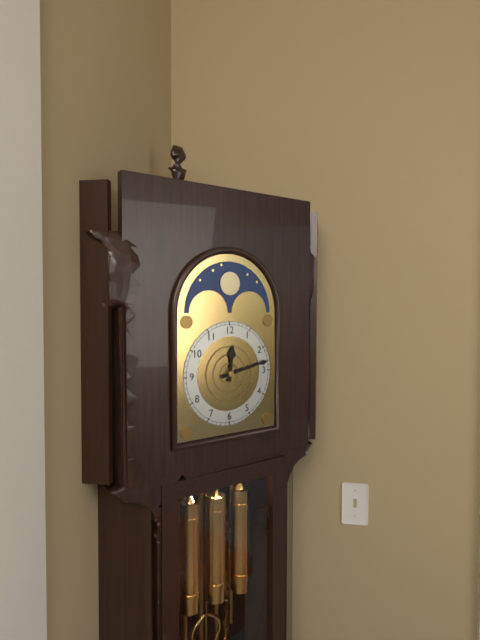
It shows 12h13
